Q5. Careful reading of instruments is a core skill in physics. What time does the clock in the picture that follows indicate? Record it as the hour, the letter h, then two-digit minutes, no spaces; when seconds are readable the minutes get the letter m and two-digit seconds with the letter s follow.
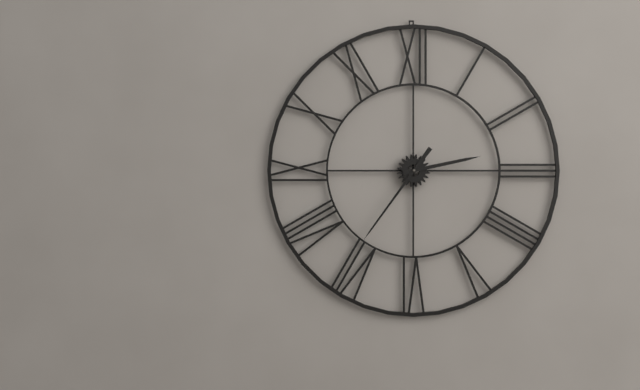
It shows 2h36
